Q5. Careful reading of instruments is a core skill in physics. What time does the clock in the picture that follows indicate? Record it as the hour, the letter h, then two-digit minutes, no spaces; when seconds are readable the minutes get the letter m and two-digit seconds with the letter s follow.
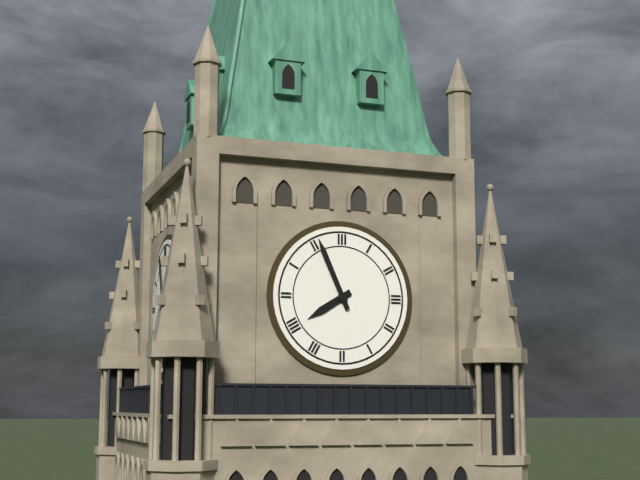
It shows 7h56
